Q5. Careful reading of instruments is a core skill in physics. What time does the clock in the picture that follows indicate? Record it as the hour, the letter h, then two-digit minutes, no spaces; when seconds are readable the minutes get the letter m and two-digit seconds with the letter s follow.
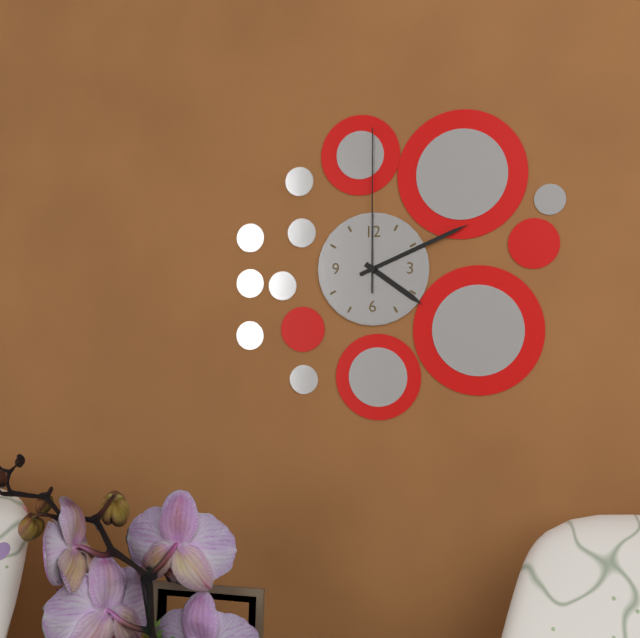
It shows 4h11m00s
